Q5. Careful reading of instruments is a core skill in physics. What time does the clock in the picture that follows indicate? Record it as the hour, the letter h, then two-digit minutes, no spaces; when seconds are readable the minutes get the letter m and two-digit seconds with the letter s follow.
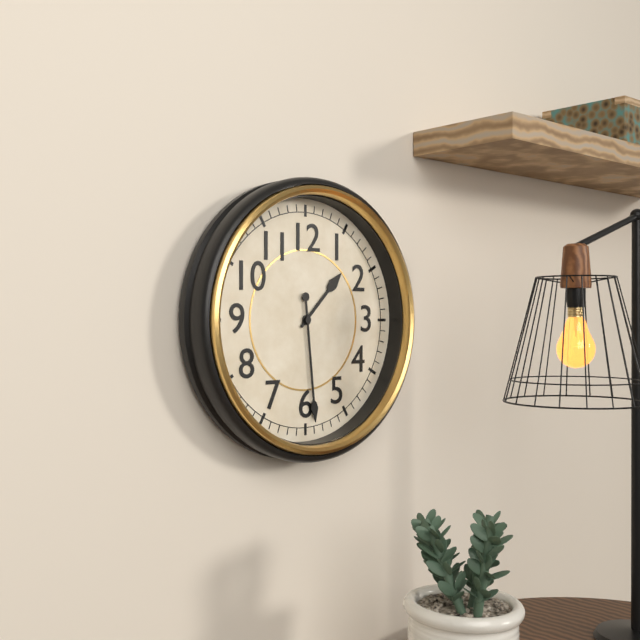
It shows 1h29
